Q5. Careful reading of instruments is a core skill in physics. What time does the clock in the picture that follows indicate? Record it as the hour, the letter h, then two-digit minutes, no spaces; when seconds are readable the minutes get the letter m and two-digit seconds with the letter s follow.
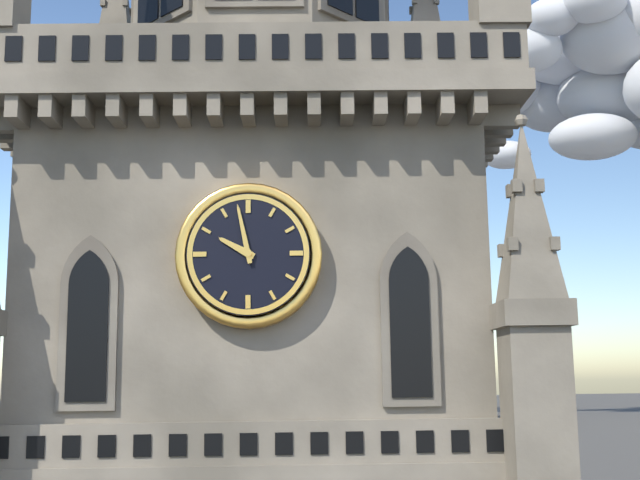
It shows 9h58
